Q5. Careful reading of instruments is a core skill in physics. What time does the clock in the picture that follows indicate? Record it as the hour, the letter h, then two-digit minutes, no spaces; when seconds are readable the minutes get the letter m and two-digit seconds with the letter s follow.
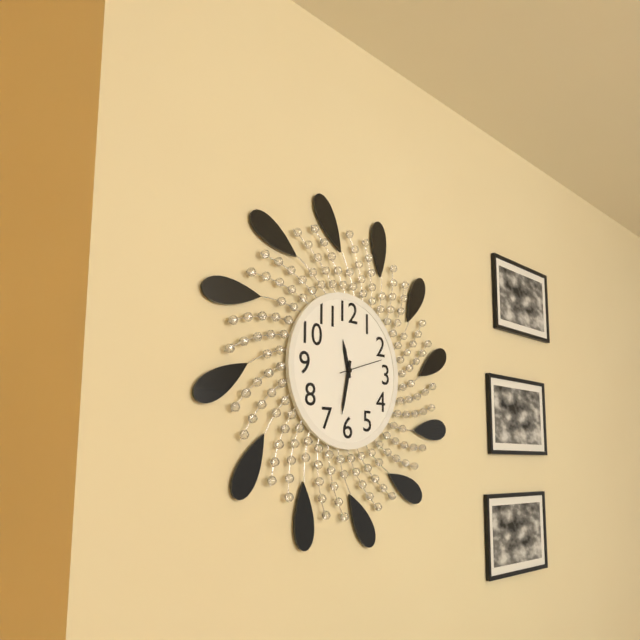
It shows 11h32
